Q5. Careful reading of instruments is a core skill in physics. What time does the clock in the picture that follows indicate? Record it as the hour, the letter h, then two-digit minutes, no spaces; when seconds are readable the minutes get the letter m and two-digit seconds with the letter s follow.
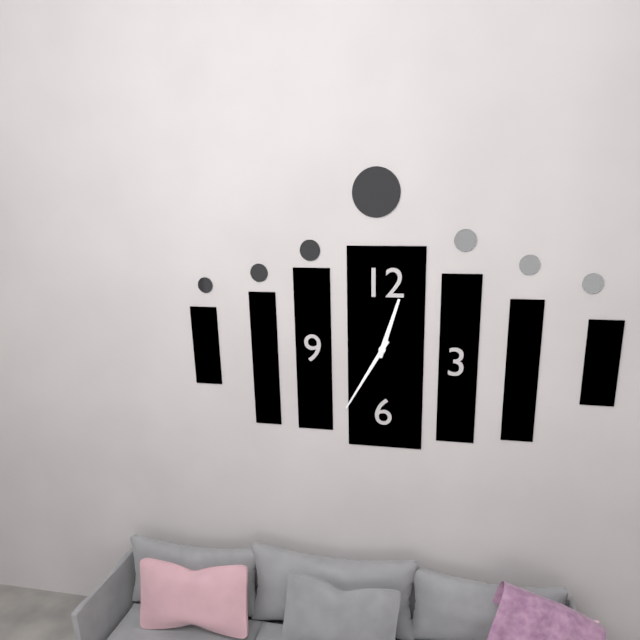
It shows 12h35
